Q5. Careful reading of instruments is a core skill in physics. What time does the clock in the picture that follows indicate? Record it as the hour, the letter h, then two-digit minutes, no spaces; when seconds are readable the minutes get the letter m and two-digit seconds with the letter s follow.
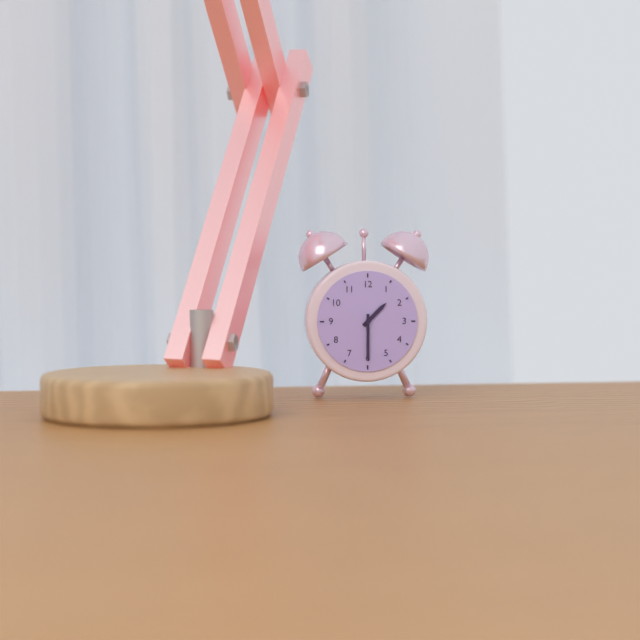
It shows 1h30
